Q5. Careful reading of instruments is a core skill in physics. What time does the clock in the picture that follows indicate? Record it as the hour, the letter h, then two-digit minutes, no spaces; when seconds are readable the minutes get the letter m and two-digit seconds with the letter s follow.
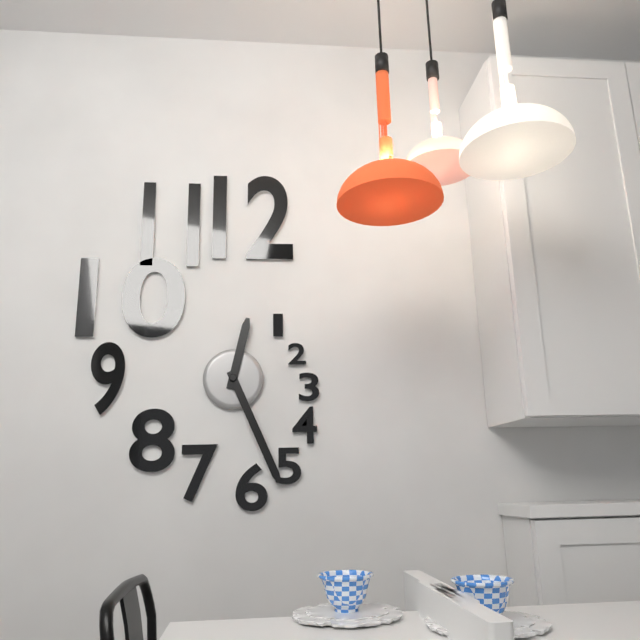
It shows 12h26
